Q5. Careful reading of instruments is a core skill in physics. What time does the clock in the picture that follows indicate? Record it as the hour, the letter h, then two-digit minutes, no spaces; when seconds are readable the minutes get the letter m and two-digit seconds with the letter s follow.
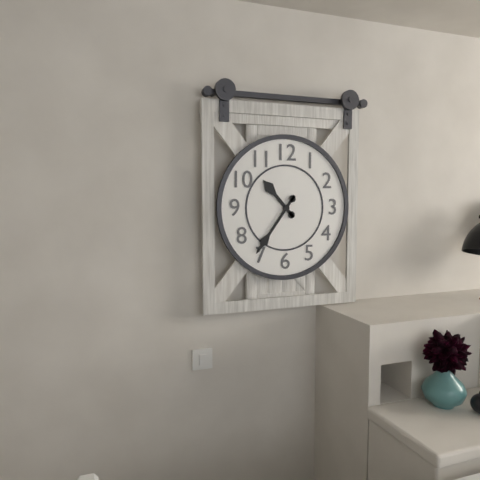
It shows 10h36
